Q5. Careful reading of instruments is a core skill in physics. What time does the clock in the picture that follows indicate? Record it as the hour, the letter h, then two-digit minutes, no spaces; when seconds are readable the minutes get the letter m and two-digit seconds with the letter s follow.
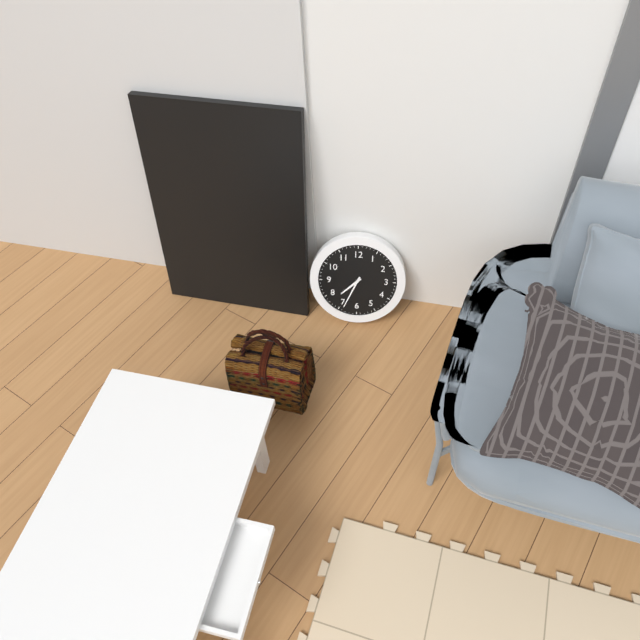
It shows 7h34
